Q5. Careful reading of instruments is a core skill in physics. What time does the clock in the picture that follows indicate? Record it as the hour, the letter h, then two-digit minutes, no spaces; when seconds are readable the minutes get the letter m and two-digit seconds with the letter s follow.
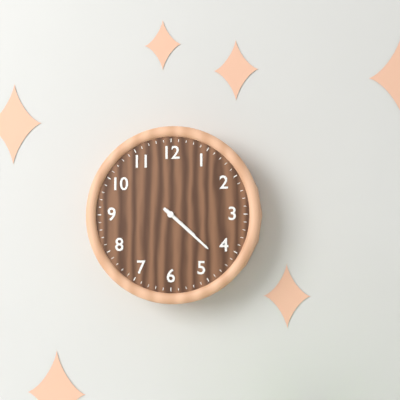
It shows 4h22
